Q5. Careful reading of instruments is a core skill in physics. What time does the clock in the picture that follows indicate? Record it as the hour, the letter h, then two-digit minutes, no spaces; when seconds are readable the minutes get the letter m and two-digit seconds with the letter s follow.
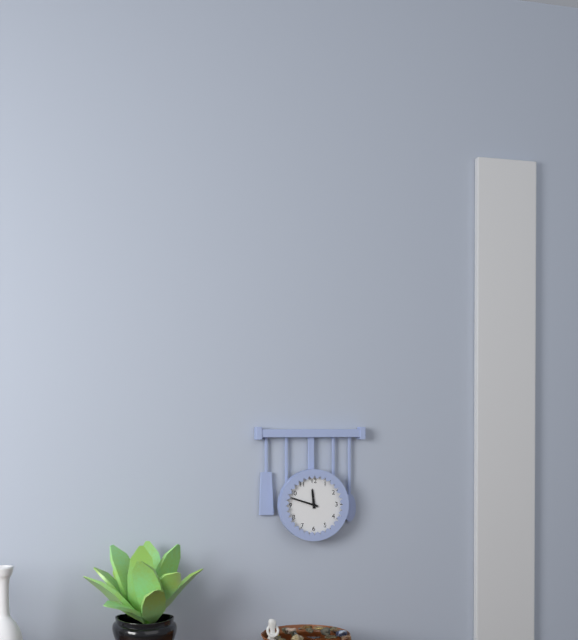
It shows 11h48
